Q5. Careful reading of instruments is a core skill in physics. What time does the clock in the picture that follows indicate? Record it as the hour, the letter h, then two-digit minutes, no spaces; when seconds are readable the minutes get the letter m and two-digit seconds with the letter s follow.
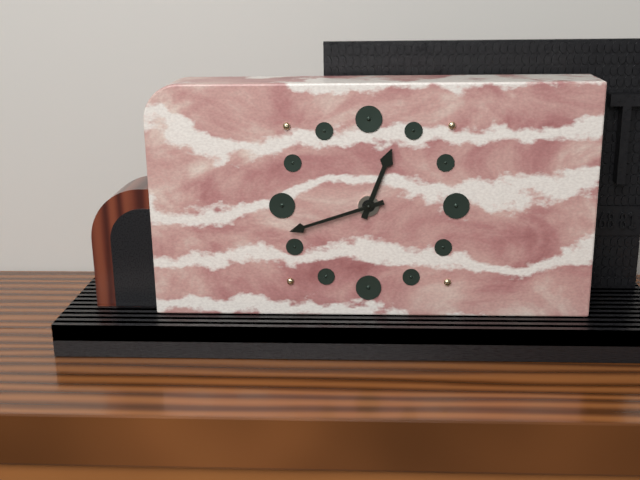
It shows 12h42
